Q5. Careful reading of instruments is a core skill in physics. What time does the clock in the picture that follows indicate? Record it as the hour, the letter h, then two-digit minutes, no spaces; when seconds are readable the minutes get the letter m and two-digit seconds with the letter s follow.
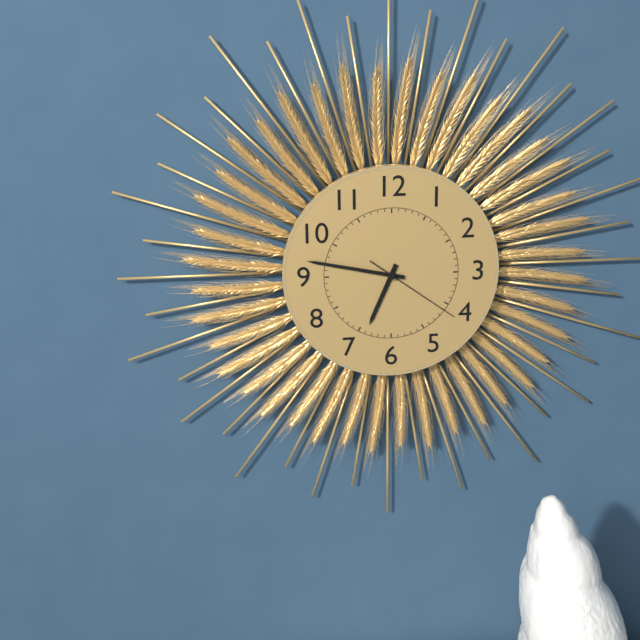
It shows 6h47m21s
